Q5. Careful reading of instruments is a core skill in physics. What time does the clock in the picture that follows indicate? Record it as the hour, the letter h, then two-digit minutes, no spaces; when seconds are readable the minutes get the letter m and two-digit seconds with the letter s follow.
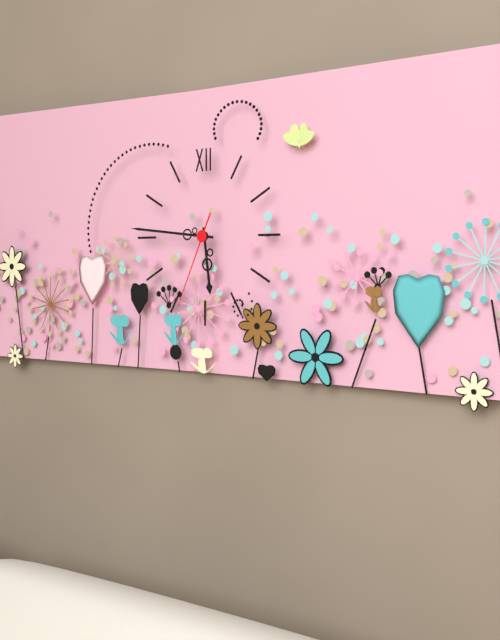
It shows 5h46m34s
